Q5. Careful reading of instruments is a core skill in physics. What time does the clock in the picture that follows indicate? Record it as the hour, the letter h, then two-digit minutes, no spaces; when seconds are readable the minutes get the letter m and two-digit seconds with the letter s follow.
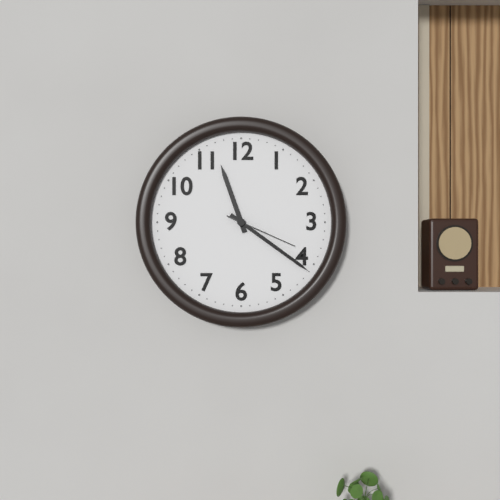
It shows 11h21m19s
